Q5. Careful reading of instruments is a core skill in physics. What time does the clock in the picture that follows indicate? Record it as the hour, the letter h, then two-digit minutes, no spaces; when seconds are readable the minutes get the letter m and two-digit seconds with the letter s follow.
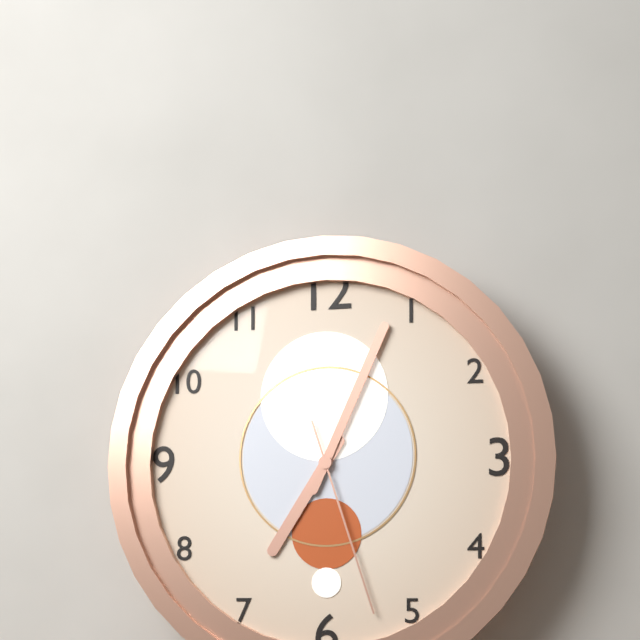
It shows 7h04m27s
